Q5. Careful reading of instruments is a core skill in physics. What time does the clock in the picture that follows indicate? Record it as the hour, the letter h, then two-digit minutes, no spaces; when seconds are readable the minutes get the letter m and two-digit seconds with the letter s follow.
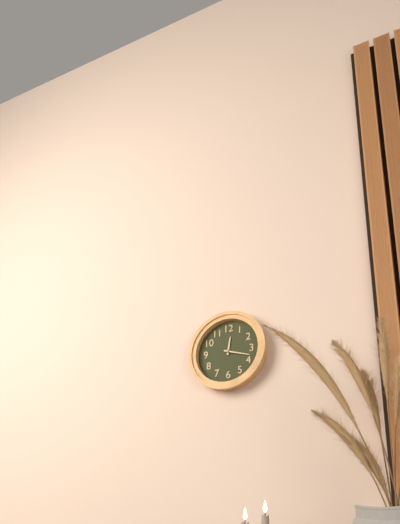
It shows 12h18
